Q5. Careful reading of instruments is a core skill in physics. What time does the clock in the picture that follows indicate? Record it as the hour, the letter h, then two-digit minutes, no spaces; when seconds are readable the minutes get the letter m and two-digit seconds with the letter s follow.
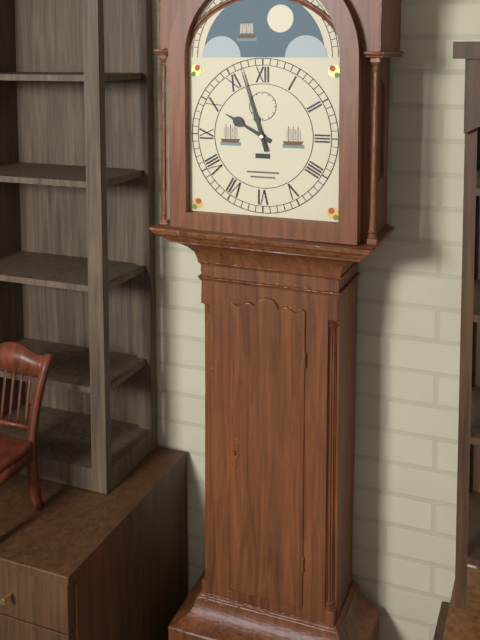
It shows 9h57
